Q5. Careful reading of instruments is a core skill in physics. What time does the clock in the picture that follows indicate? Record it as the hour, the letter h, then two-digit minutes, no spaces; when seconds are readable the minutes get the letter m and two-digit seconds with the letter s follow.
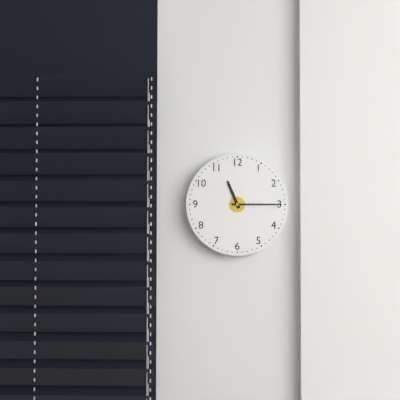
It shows 11h15
